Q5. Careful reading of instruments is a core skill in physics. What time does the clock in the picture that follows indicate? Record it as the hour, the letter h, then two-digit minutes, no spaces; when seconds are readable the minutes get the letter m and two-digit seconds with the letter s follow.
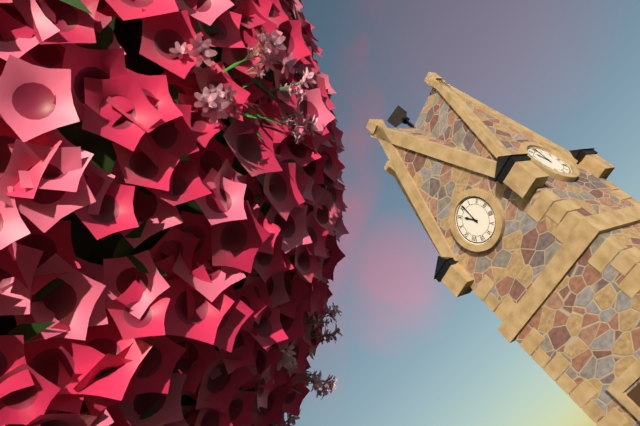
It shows 11h01
